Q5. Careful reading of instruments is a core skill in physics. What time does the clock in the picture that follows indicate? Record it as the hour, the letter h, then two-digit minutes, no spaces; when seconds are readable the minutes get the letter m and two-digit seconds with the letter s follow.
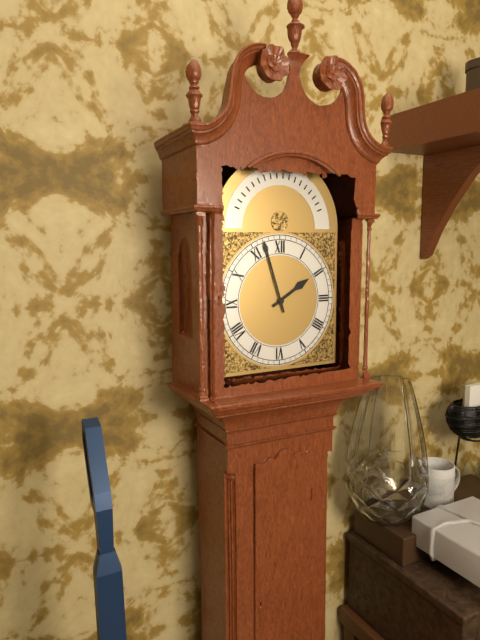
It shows 1h57
